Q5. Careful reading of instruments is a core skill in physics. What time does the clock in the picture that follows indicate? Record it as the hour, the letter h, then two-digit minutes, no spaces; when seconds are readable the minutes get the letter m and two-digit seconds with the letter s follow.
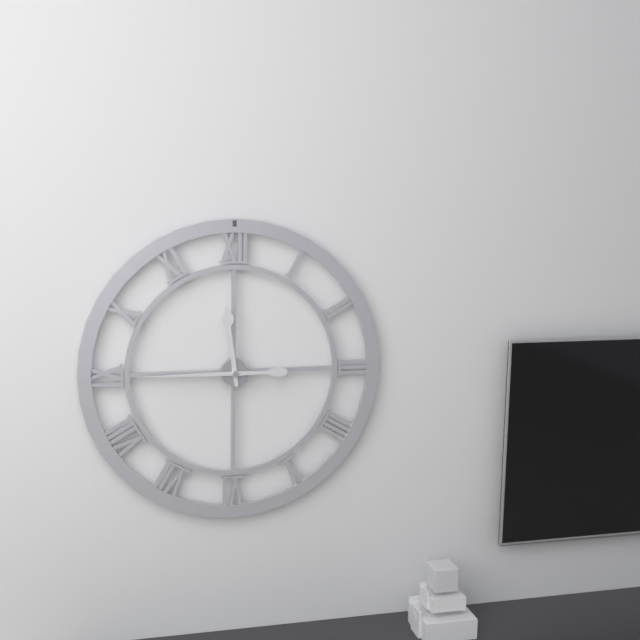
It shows 11h45
